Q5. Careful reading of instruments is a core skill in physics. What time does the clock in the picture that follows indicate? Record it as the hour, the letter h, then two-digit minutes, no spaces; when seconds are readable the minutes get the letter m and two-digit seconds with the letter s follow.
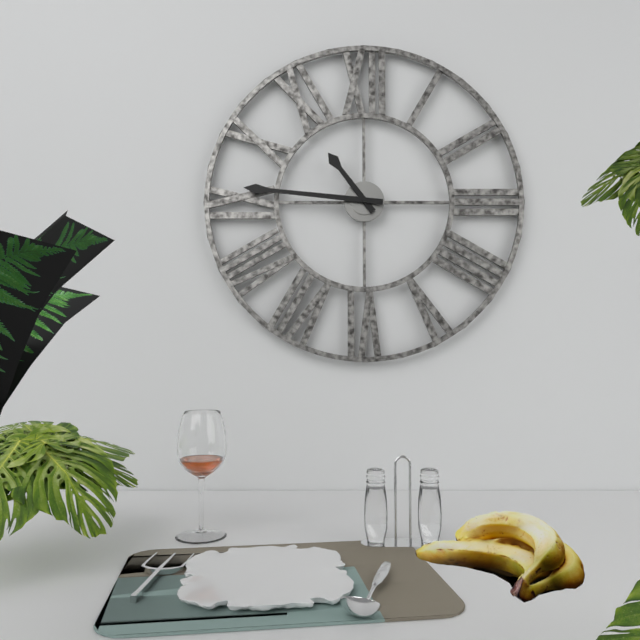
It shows 10h46
